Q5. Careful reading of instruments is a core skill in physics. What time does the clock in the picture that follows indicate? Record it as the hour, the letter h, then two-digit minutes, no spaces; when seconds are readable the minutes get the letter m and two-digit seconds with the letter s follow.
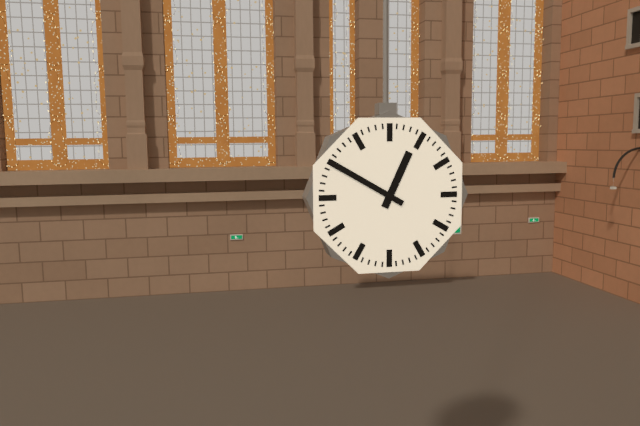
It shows 12h50
